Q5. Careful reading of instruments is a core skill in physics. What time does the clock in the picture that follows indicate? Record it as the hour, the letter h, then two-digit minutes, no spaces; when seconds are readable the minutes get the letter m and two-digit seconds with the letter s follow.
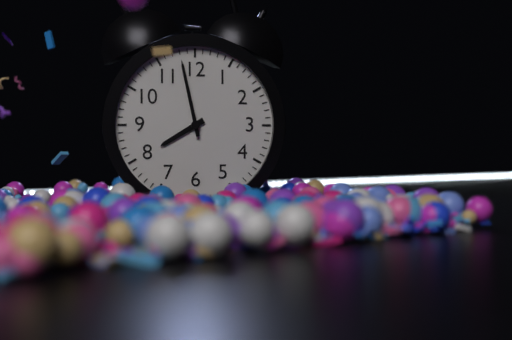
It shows 7h58
